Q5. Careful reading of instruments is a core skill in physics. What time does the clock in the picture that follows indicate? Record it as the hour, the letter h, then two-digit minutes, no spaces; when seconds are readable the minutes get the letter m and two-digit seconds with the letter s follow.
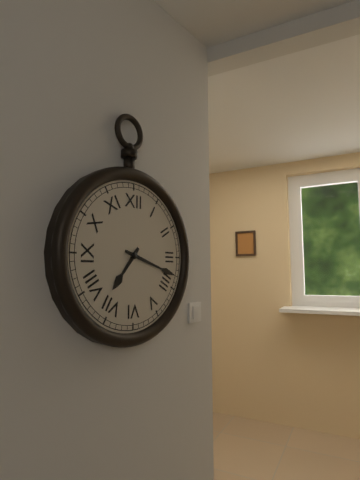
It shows 7h18
